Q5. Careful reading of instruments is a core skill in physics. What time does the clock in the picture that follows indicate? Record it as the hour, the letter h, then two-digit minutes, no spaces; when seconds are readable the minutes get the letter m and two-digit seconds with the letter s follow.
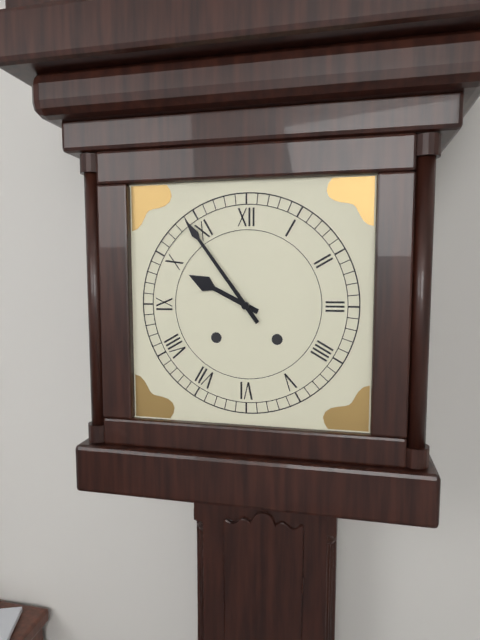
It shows 9h54
